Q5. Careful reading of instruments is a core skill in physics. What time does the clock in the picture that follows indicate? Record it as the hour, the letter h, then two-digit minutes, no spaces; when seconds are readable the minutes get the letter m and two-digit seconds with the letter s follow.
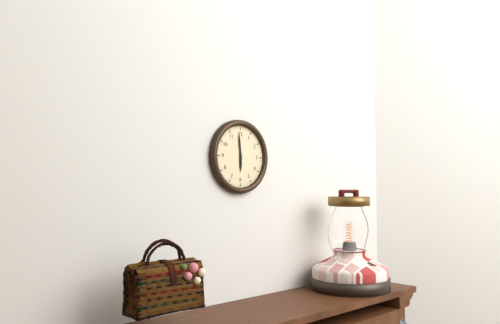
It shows 5h59
